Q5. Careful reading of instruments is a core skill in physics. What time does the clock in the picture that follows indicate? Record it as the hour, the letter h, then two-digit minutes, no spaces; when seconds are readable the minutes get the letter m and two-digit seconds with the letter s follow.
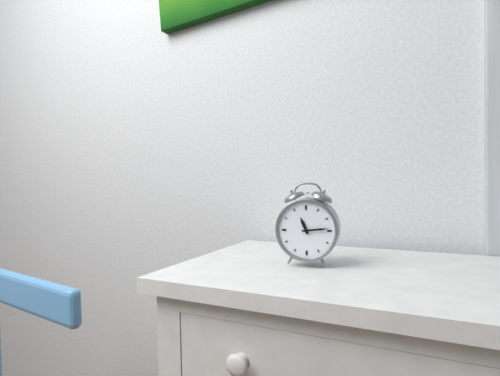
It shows 11h14
